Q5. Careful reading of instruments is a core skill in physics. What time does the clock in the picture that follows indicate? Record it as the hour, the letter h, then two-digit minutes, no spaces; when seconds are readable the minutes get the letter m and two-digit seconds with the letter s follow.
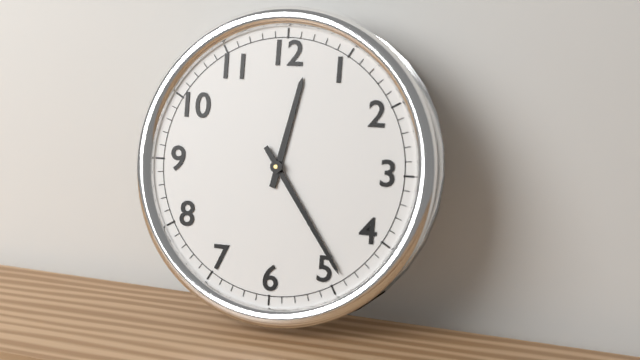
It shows 12h24
